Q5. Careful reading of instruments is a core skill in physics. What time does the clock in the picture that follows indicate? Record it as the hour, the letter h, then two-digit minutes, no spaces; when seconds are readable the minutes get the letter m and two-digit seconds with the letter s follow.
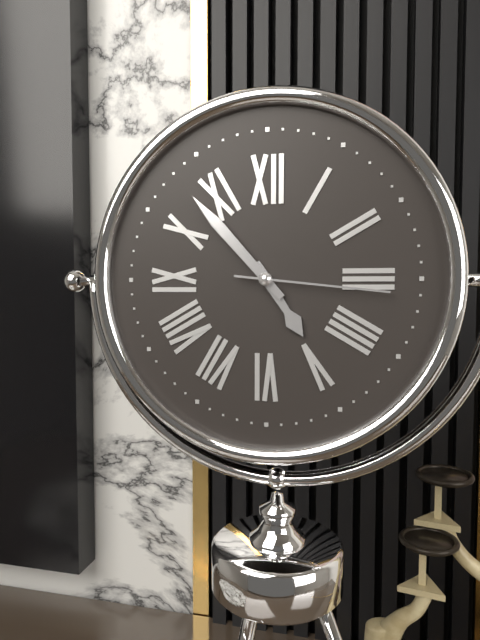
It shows 4h53m16s
